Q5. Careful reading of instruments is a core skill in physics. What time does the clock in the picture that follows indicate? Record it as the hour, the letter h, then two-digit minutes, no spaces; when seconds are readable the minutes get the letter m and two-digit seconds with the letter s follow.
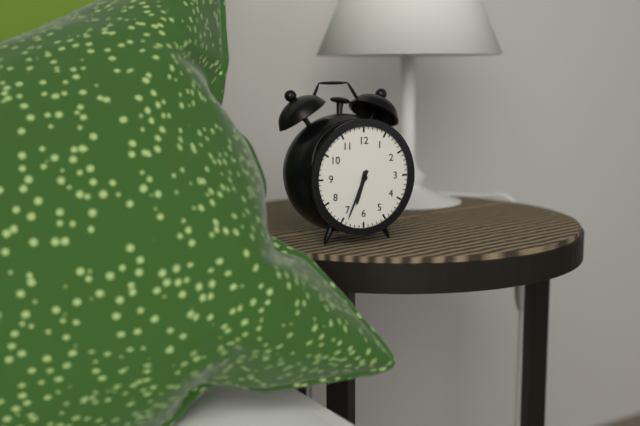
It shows 6h34
